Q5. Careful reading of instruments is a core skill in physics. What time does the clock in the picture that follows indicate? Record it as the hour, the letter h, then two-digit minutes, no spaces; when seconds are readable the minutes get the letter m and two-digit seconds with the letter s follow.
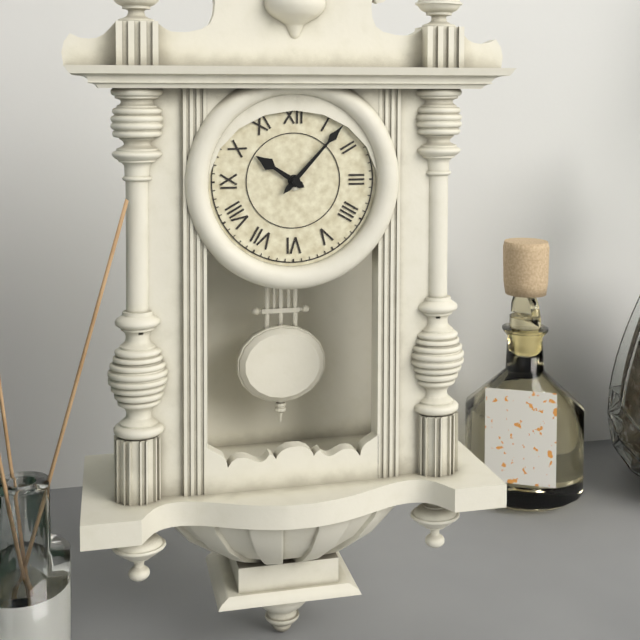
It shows 10h07
